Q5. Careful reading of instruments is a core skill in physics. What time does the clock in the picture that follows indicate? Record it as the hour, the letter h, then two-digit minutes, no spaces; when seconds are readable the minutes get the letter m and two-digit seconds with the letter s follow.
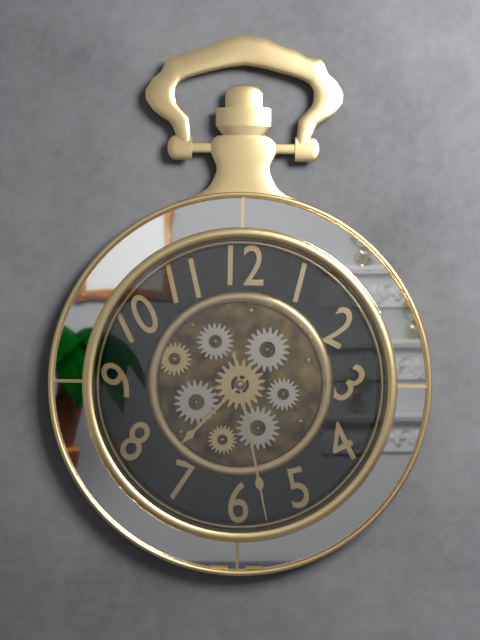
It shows 7h28
